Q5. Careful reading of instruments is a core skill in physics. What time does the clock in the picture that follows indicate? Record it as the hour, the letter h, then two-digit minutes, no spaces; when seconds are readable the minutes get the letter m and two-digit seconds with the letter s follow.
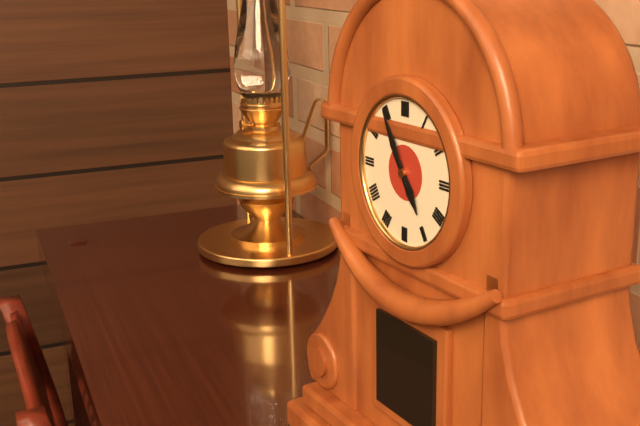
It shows 4h55
